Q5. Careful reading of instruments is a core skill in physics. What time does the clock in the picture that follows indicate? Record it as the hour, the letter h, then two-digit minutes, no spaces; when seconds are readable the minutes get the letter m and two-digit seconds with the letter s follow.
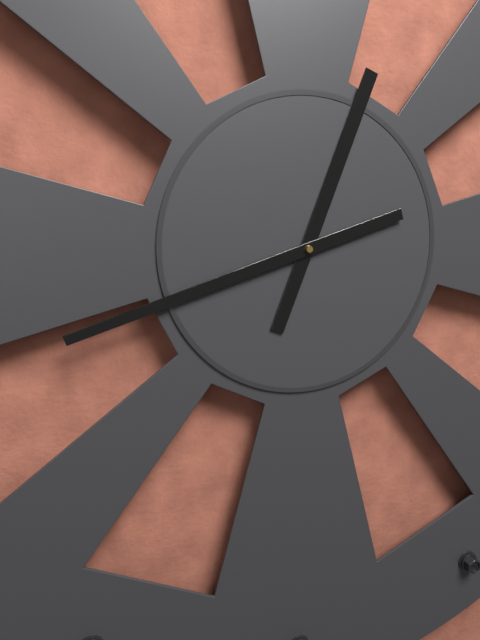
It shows 12h42
